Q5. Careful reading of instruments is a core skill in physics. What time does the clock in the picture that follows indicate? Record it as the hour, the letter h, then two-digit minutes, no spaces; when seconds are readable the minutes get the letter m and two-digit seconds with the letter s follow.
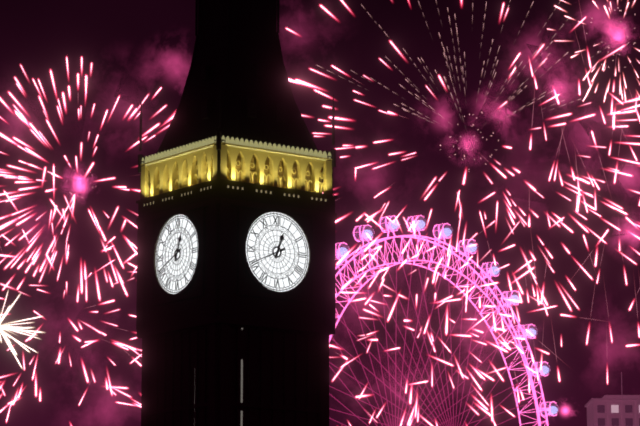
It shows 12h41
